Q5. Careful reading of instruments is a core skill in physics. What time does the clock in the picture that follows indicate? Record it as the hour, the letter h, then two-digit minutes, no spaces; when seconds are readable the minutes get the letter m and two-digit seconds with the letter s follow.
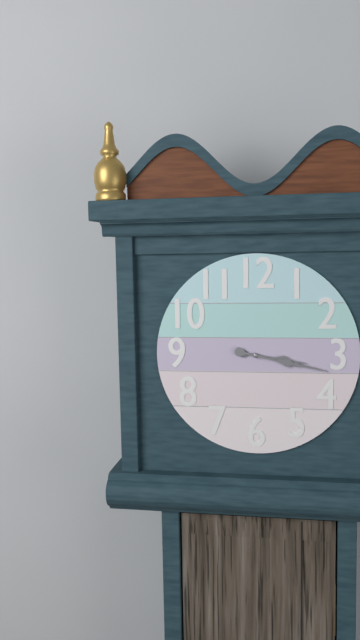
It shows 3h17
